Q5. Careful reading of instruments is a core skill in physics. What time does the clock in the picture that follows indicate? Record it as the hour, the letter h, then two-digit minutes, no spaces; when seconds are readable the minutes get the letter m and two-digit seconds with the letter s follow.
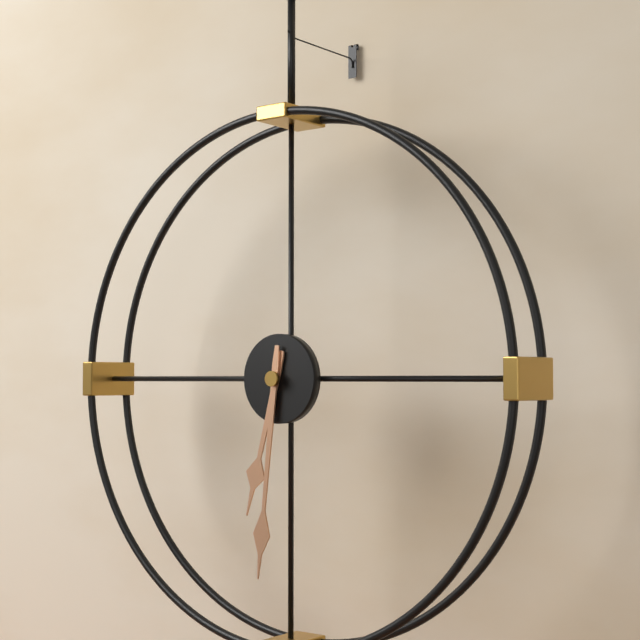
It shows 6h31
